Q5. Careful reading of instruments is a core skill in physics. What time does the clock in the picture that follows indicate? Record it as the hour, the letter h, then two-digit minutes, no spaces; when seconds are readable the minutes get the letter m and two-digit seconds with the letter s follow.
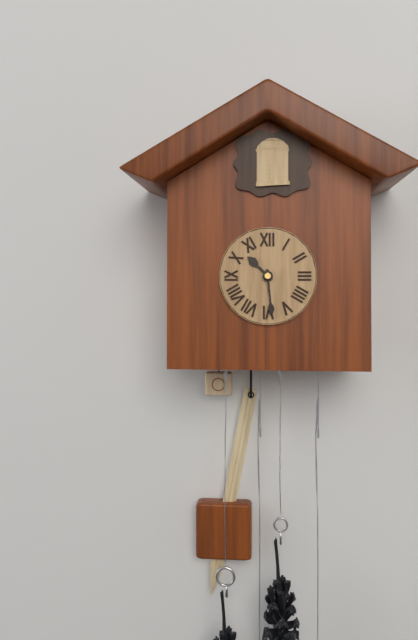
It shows 10h29
